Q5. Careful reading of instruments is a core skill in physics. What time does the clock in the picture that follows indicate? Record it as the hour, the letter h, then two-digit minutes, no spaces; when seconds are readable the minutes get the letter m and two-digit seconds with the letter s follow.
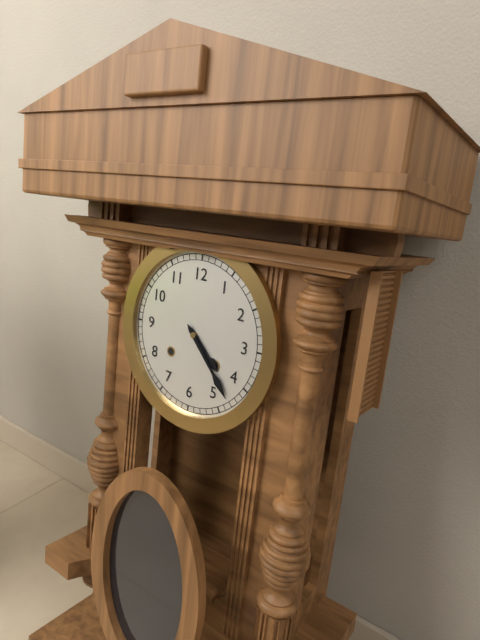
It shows 4h23
